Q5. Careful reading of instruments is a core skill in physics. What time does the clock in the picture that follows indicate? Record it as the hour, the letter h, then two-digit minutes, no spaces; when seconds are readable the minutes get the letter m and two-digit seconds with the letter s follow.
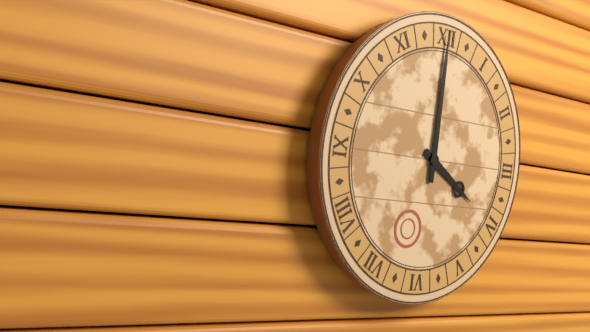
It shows 4h00
